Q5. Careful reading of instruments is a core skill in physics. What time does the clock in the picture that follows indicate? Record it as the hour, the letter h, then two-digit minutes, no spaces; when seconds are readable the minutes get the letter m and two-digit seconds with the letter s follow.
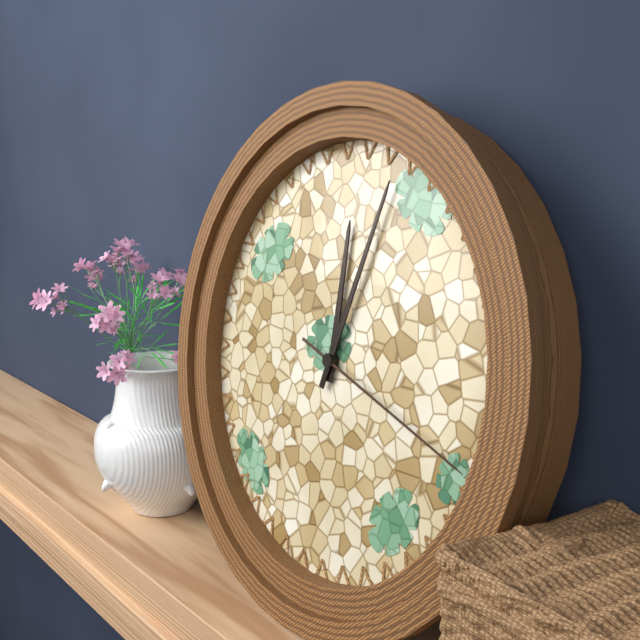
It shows 12h03m18s
